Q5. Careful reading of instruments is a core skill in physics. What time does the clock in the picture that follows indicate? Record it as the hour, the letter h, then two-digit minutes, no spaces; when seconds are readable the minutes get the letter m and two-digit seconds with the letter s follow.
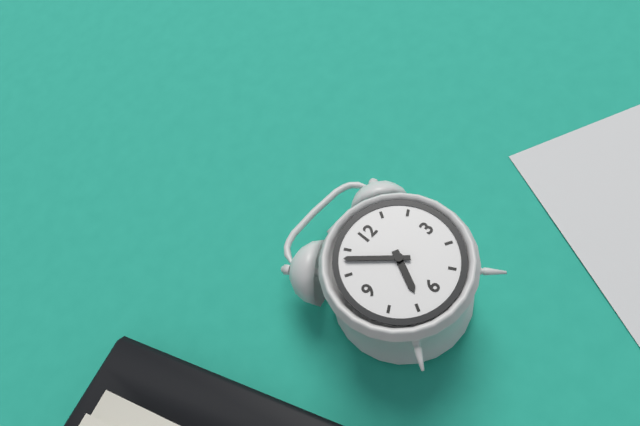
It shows 6h53
